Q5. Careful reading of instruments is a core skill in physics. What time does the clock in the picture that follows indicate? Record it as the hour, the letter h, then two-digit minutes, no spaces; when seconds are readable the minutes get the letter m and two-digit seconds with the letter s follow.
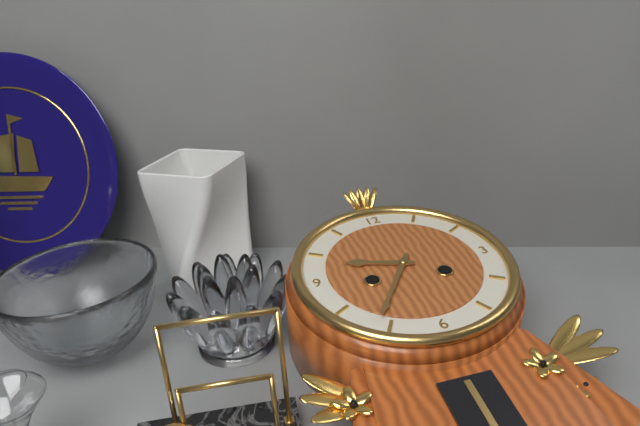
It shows 9h36
